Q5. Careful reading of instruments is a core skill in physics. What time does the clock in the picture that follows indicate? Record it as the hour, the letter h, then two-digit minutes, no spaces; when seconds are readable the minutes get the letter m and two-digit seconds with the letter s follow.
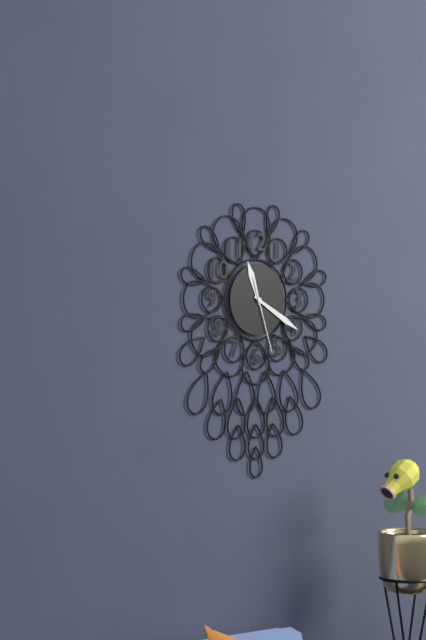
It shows 11h20m27s
